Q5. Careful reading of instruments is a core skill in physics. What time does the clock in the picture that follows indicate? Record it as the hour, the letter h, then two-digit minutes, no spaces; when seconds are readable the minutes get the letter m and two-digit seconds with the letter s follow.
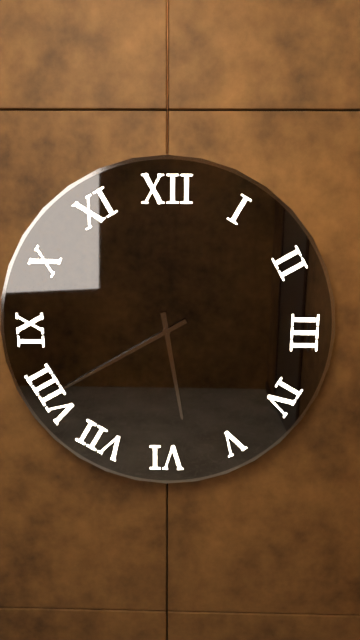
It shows 5h40
